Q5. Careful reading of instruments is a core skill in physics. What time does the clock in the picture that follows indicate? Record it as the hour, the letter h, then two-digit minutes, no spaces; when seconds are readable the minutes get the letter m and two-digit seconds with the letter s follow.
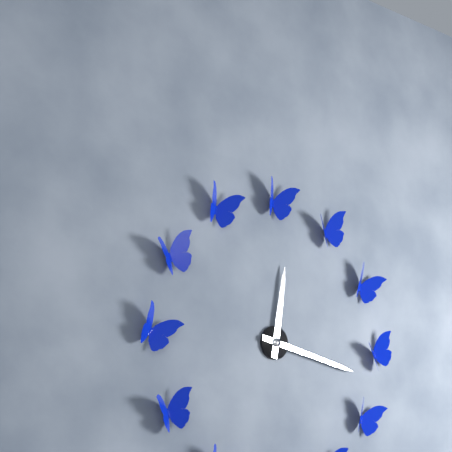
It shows 12h17
